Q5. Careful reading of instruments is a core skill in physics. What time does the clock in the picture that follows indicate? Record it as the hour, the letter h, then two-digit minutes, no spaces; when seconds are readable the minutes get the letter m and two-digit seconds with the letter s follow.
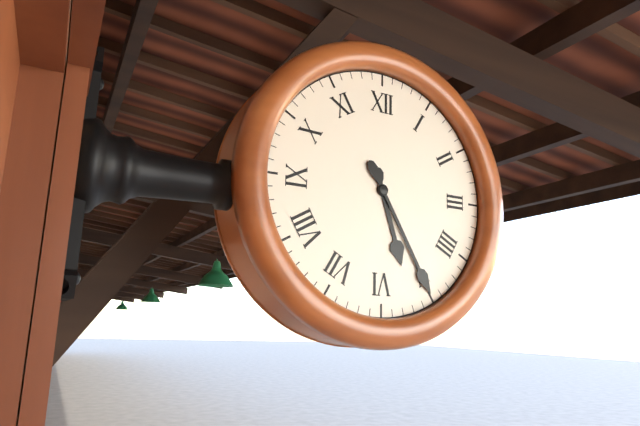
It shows 5h25
